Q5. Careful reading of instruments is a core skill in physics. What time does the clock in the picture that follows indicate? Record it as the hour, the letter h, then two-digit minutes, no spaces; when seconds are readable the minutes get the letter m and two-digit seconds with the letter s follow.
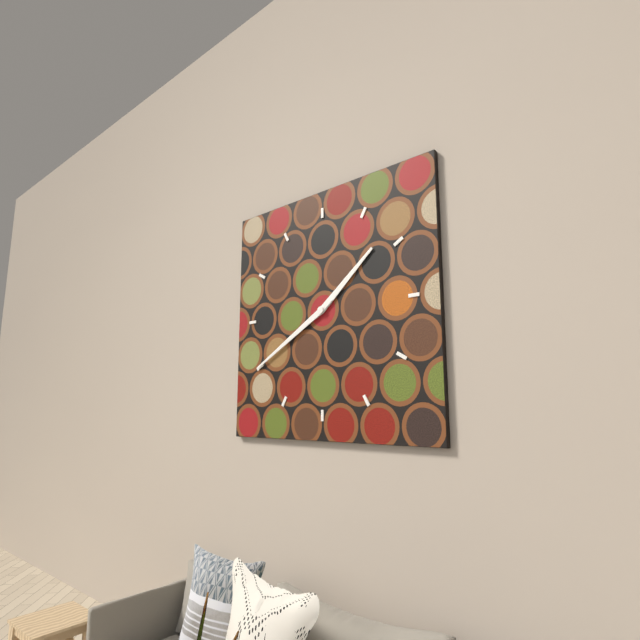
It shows 1h40
